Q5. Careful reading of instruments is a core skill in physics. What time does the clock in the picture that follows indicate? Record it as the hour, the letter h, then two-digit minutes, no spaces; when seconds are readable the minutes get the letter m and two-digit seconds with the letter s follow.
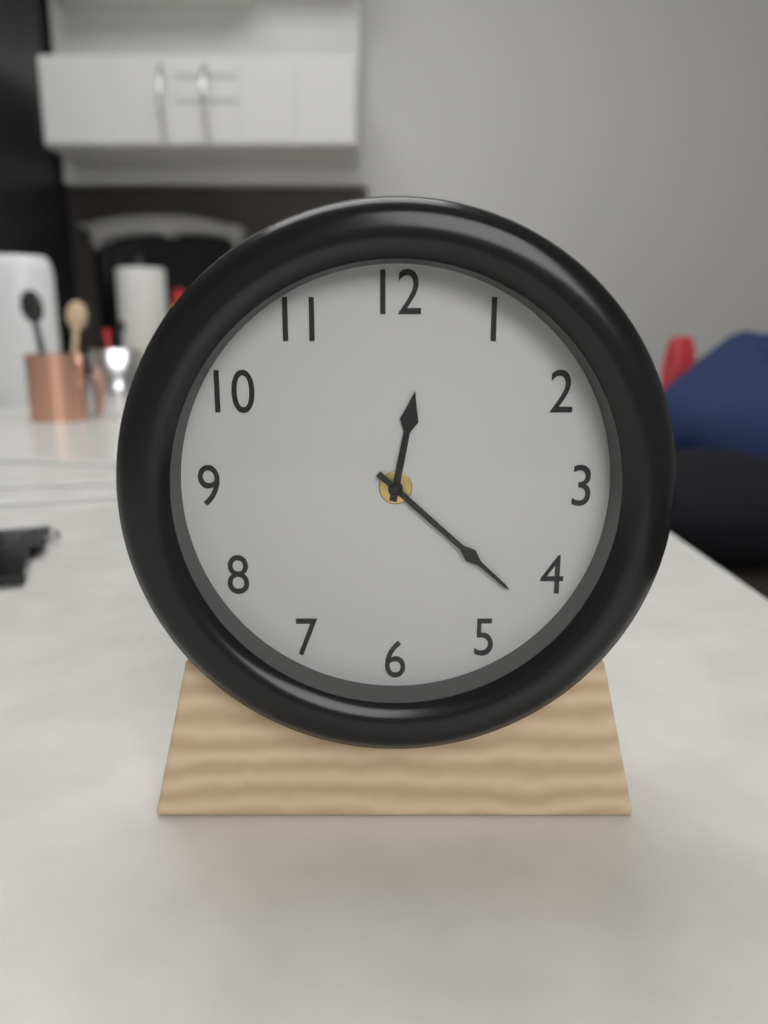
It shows 12h22
